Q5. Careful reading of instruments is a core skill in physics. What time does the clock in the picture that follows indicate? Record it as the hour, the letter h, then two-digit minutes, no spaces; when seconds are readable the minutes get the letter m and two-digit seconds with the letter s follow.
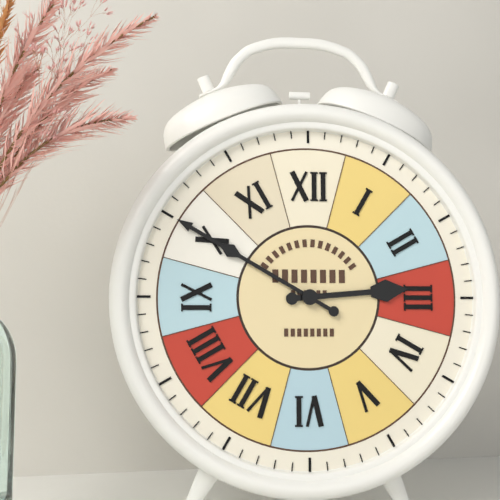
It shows 2h50
